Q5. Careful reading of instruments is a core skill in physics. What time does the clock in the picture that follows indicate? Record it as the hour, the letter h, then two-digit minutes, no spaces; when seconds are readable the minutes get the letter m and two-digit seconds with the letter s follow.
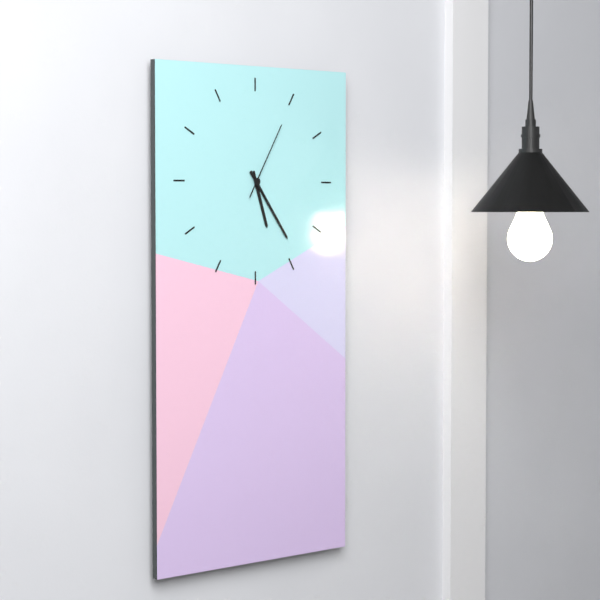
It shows 5h24m05s
